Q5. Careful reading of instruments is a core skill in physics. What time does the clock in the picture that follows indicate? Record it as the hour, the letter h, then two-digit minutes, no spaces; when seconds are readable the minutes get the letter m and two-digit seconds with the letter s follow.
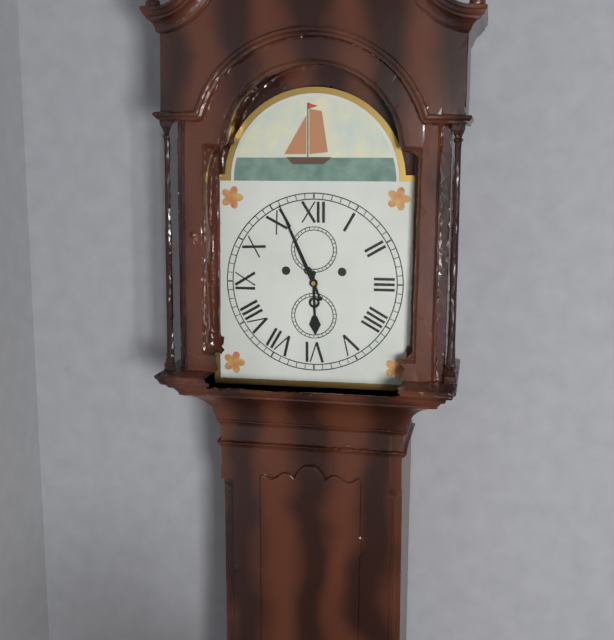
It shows 5h56
